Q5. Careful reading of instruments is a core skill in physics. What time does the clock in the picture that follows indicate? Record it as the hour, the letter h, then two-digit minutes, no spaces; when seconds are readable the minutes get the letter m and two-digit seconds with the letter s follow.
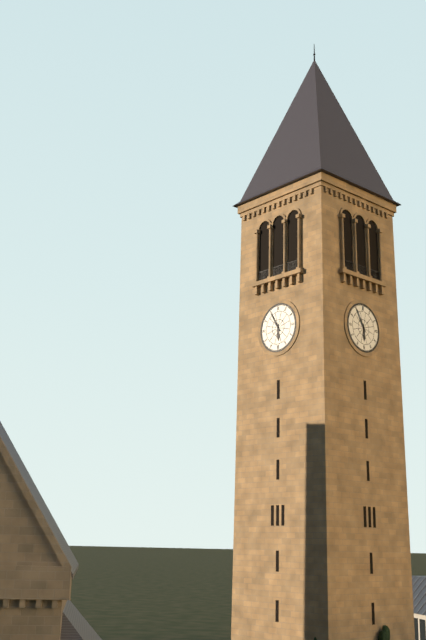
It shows 5h55
